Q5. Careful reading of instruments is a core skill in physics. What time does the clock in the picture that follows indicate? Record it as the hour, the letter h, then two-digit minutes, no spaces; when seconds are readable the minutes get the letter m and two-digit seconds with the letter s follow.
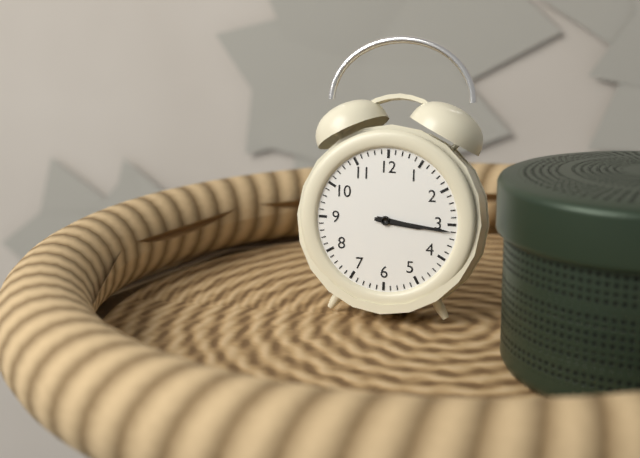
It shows 3h16
